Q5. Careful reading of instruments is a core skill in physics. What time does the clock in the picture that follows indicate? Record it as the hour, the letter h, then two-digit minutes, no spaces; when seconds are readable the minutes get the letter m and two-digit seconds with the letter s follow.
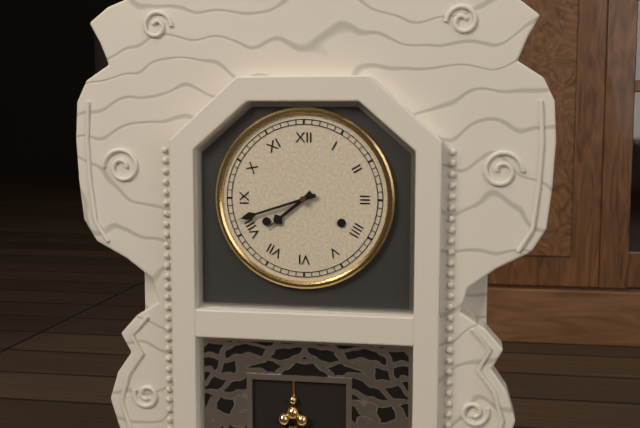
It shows 7h42
